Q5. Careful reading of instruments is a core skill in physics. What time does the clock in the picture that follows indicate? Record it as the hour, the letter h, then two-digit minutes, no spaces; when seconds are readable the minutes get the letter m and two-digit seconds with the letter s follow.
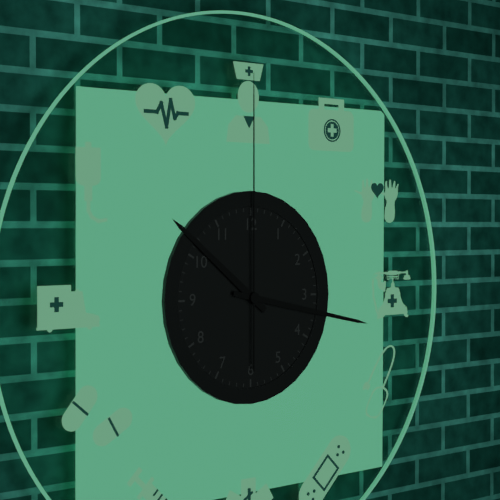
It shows 10h17m00s
